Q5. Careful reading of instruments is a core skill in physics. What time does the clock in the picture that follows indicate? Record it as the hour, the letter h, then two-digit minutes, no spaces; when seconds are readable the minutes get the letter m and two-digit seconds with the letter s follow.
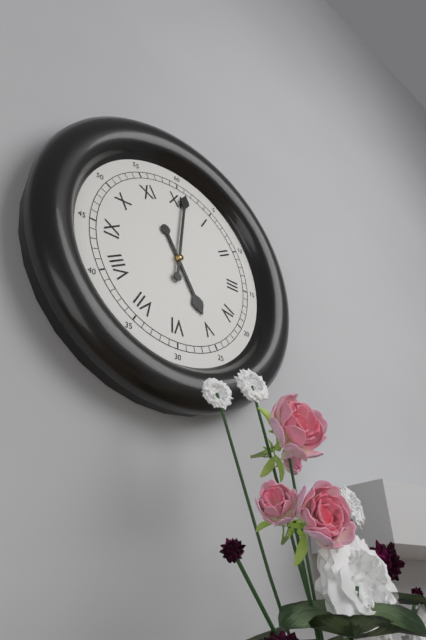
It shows 5h01
